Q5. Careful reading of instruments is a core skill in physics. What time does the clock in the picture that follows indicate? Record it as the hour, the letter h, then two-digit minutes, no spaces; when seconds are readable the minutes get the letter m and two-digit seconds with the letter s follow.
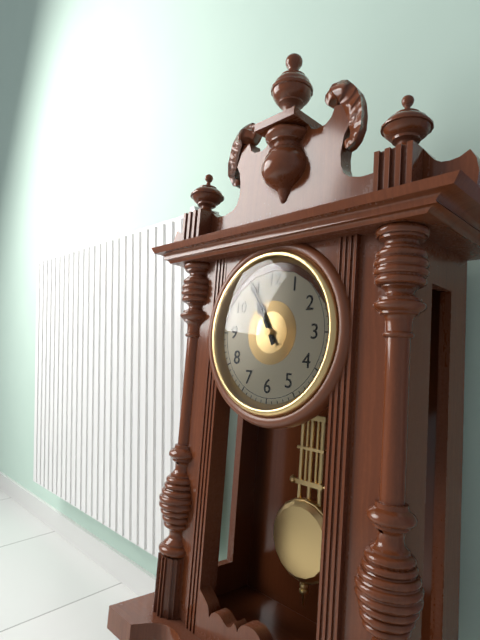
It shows 10h55
